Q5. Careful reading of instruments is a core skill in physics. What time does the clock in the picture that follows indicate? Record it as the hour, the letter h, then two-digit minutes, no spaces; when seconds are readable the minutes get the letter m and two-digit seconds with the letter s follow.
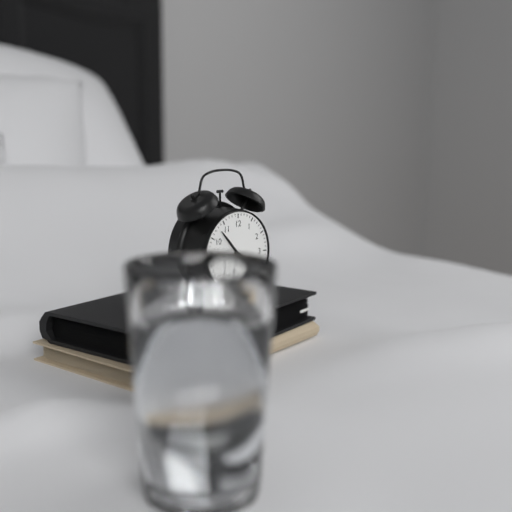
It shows 3h53
